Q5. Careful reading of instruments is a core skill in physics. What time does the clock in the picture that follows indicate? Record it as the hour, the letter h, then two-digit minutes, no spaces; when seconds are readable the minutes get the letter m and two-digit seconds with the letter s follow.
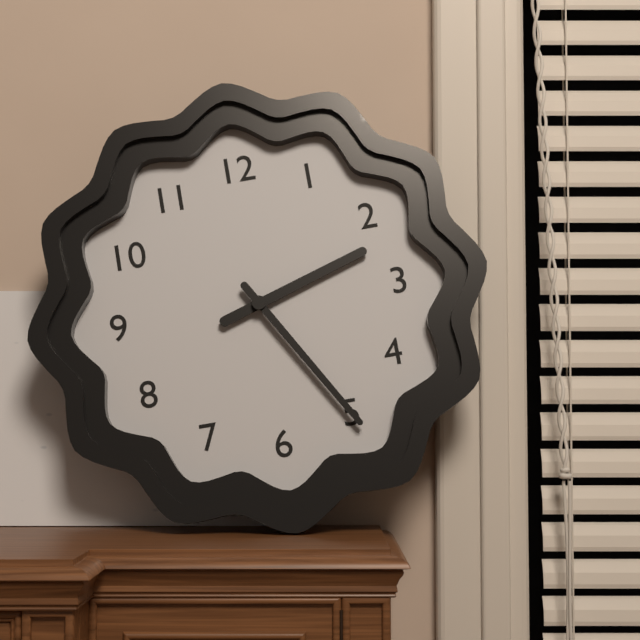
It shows 2h25
